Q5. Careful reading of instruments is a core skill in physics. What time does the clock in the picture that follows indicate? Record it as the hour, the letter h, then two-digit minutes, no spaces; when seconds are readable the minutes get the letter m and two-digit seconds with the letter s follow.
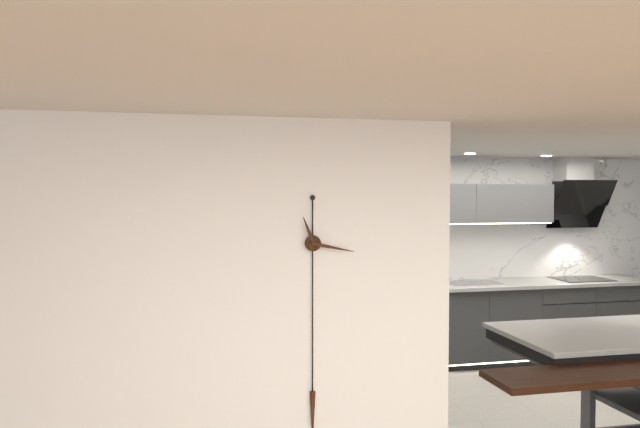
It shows 11h17
